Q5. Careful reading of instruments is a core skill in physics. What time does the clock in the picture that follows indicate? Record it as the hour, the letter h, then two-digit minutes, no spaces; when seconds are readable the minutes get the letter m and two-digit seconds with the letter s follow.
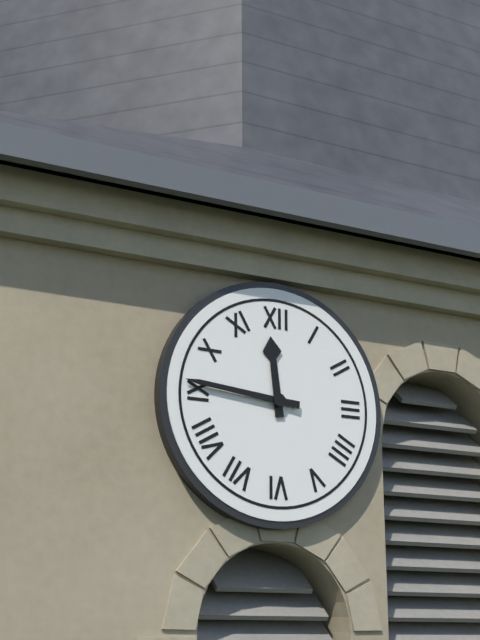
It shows 11h46
